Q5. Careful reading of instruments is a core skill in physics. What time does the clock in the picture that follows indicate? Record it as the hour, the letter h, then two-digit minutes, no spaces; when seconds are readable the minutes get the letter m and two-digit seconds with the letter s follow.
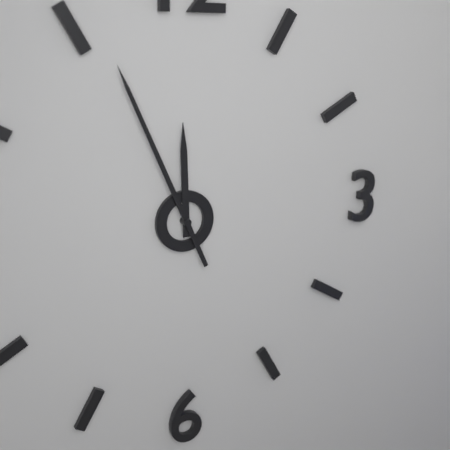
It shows 11h56
